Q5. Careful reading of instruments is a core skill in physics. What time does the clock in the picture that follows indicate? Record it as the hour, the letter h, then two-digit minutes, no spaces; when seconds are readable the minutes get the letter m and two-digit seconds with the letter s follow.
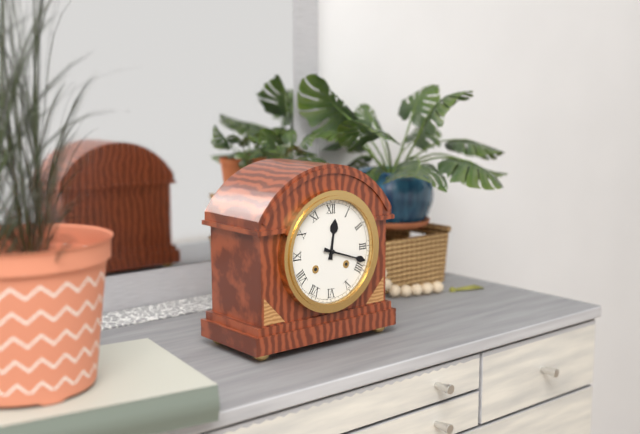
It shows 12h18
